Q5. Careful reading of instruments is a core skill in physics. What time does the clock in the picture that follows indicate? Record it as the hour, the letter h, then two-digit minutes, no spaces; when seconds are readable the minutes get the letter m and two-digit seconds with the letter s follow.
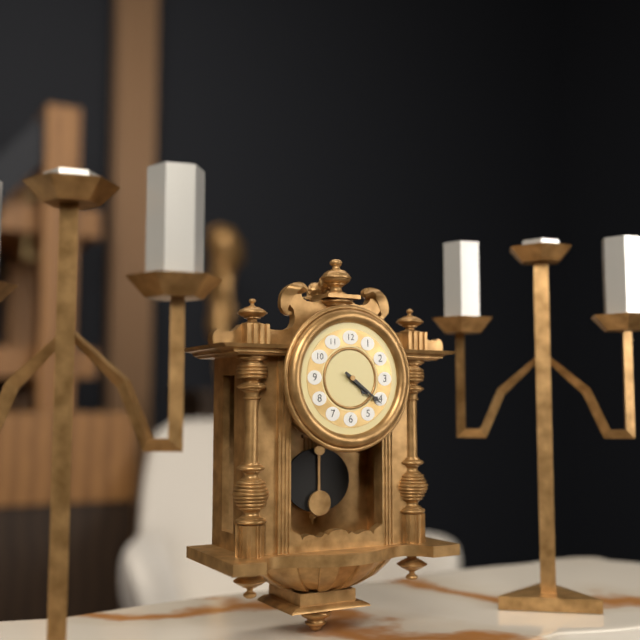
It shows 4h21
